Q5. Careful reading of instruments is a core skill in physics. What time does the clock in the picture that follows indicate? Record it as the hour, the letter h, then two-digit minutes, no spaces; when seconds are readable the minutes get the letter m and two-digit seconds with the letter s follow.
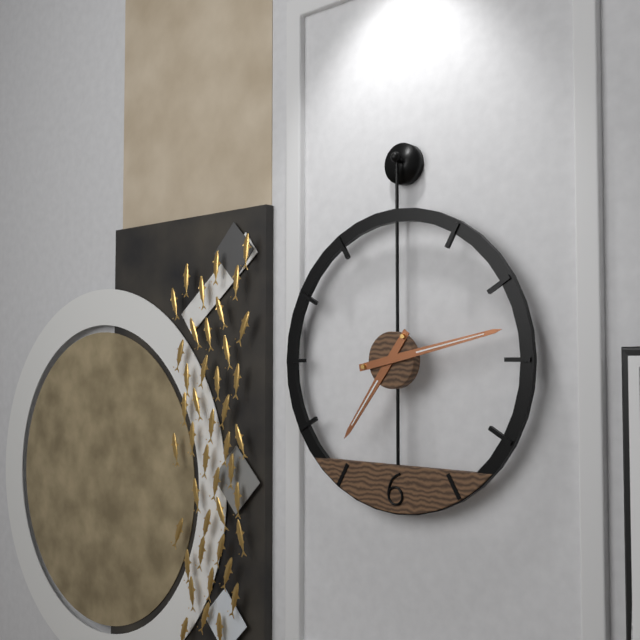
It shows 7h13
